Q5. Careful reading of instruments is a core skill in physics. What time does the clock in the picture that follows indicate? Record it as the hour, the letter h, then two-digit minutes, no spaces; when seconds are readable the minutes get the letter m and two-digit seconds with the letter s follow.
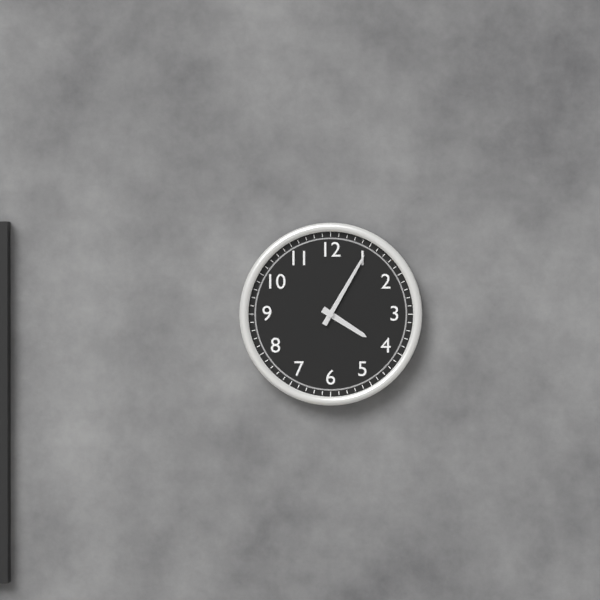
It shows 4h05
